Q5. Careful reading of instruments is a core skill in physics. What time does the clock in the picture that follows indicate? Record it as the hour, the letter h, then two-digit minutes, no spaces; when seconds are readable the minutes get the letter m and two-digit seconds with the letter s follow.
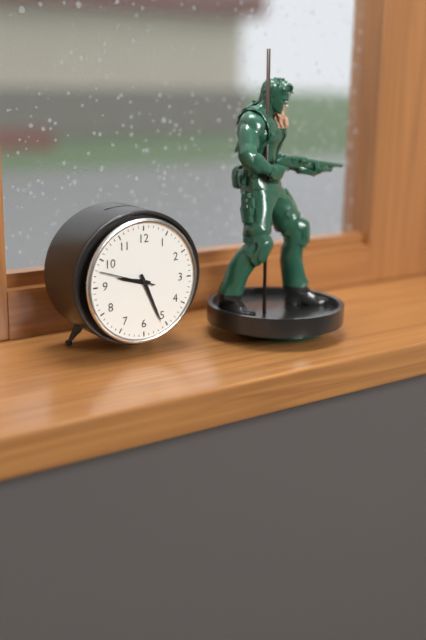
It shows 9h26m48s
